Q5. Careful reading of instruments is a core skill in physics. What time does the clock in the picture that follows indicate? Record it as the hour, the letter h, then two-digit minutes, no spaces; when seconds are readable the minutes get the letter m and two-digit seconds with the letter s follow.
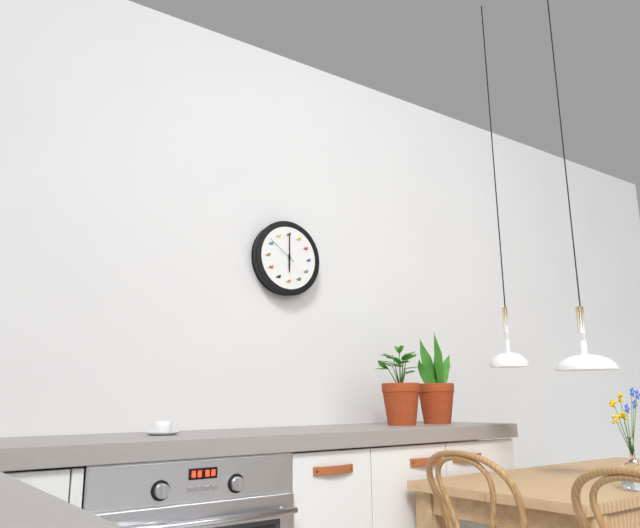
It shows 6h00
